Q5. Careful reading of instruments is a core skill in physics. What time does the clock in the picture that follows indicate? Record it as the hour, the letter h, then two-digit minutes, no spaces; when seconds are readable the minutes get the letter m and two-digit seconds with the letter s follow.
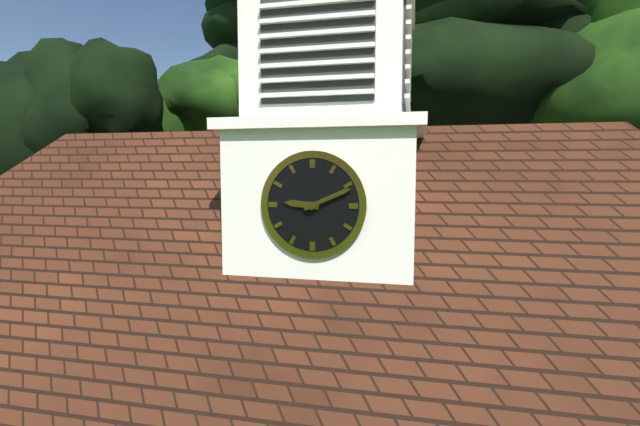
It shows 9h11
